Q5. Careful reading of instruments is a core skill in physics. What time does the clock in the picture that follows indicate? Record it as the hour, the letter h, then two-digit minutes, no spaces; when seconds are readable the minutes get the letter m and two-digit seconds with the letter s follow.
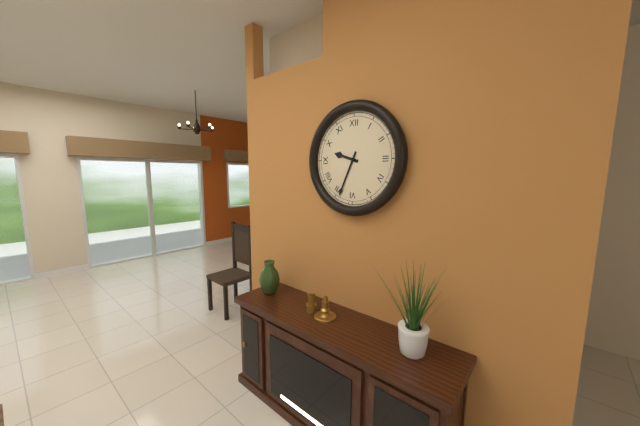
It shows 9h34
